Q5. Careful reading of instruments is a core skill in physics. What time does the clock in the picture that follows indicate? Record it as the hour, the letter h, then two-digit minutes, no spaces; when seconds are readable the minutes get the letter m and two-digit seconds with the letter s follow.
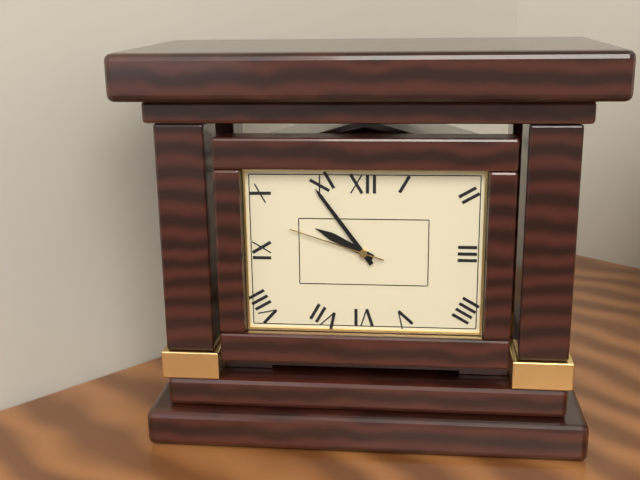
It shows 9h54m48s
